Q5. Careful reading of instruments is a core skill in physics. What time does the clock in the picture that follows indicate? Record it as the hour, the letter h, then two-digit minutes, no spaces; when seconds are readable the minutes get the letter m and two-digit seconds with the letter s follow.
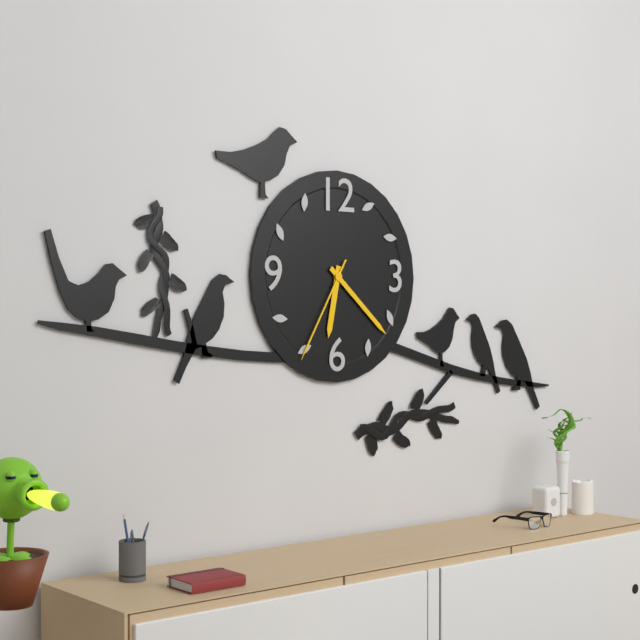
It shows 6h22m35s
